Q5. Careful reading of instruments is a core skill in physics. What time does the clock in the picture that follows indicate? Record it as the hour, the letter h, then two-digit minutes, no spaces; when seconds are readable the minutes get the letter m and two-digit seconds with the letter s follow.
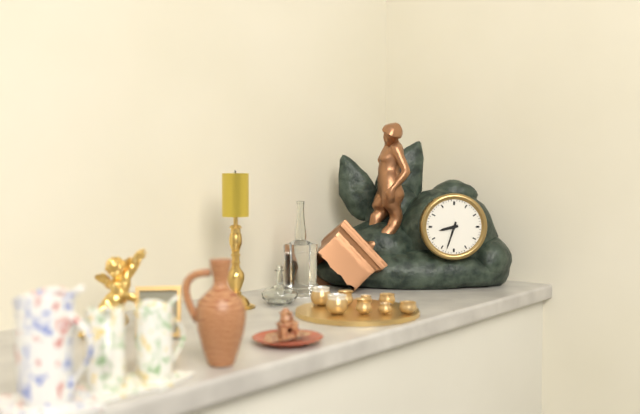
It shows 8h33
